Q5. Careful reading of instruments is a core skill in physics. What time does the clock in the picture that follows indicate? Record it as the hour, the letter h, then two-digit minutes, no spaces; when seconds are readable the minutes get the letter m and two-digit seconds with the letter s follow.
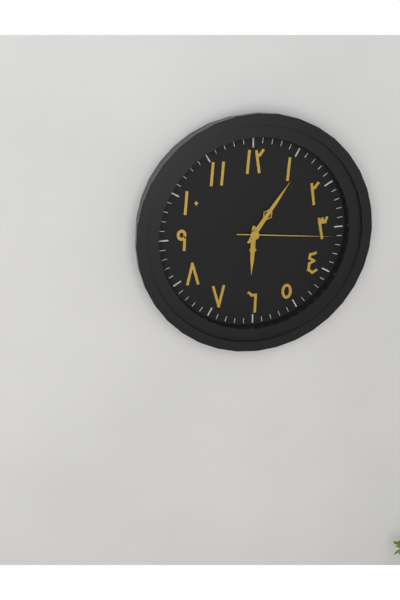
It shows 6h06m16s
